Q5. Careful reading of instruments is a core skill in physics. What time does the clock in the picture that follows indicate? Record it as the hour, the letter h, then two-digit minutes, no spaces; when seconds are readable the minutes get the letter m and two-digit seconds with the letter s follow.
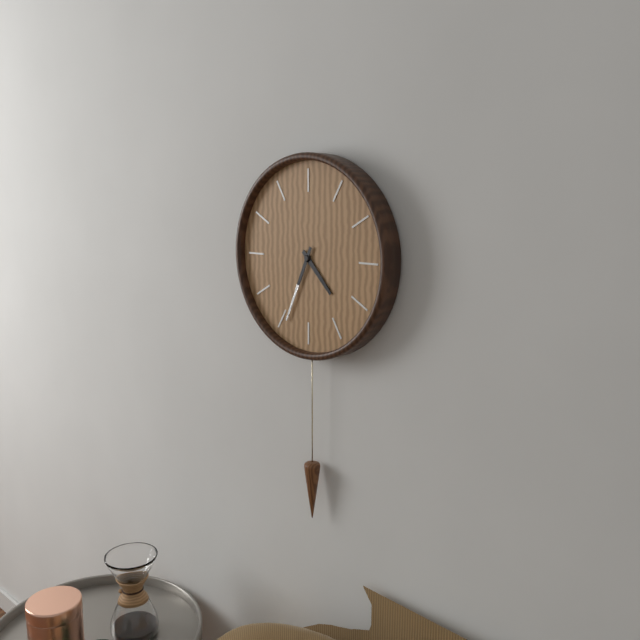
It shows 4h34
